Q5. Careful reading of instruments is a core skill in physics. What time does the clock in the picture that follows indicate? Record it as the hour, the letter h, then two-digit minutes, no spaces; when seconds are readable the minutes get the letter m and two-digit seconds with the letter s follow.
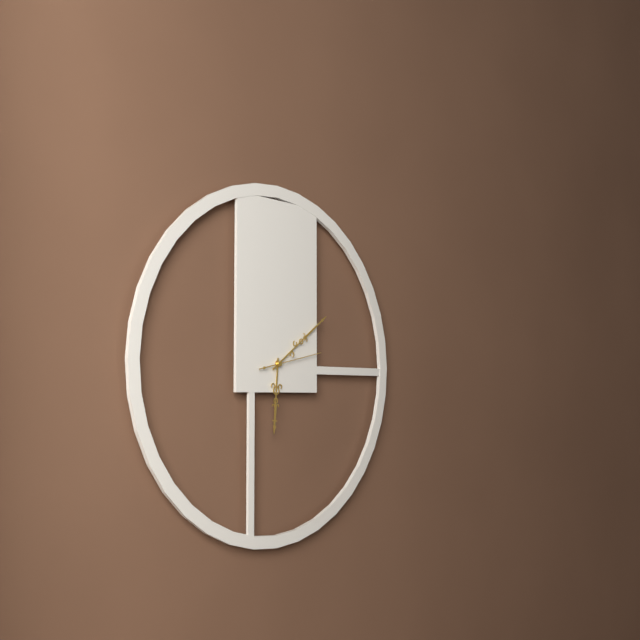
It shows 6h09m13s
